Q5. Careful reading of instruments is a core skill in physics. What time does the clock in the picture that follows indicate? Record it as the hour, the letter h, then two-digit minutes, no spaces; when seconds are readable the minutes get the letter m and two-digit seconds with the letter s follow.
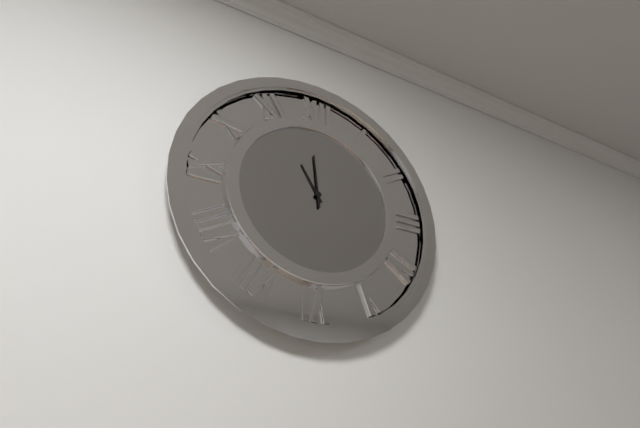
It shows 10h59
